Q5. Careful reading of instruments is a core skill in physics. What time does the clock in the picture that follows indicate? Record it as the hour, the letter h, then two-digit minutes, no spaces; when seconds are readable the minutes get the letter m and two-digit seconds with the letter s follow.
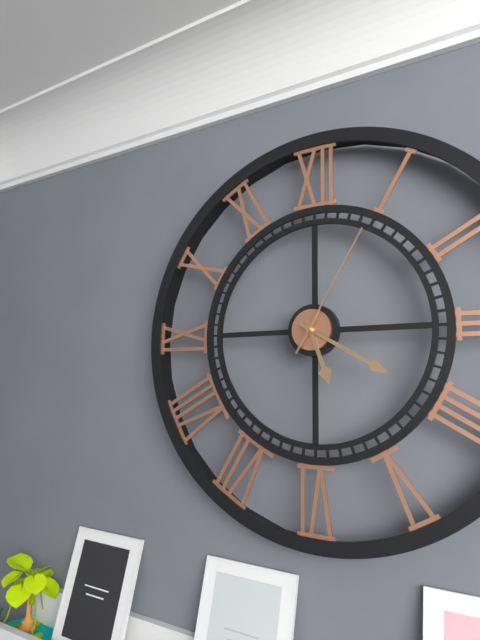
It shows 5h20m05s
